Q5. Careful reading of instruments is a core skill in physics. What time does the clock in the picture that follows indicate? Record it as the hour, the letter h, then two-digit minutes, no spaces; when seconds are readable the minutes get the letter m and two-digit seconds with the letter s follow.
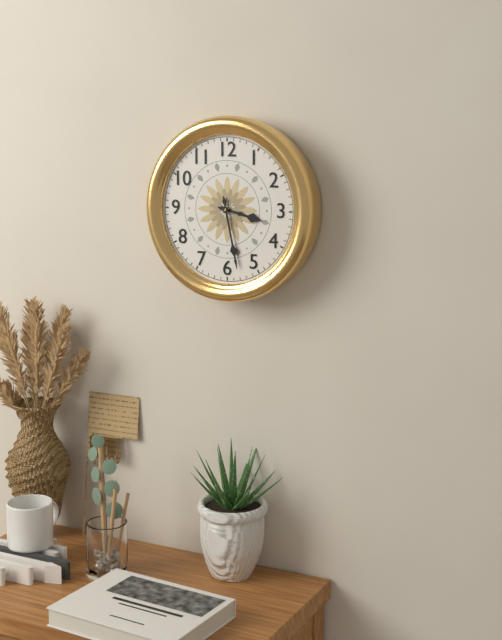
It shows 3h28
